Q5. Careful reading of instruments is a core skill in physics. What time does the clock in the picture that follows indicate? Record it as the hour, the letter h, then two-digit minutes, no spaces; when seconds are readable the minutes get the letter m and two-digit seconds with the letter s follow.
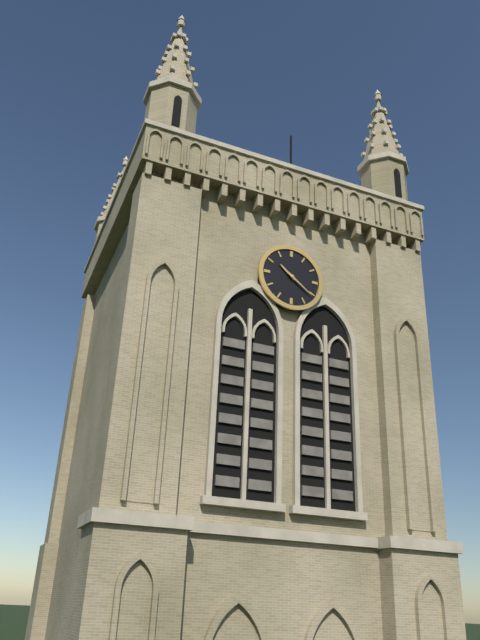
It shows 10h21
